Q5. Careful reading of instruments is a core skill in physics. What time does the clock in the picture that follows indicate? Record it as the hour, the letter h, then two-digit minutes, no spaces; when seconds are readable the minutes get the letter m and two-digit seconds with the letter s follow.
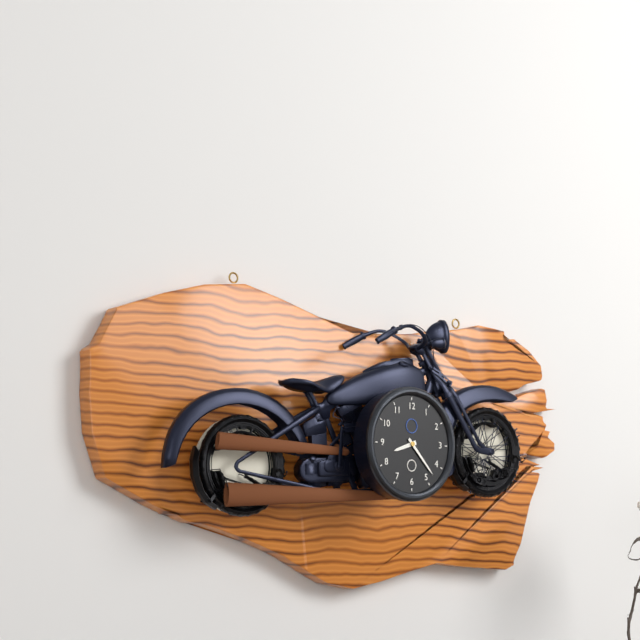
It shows 8h23
